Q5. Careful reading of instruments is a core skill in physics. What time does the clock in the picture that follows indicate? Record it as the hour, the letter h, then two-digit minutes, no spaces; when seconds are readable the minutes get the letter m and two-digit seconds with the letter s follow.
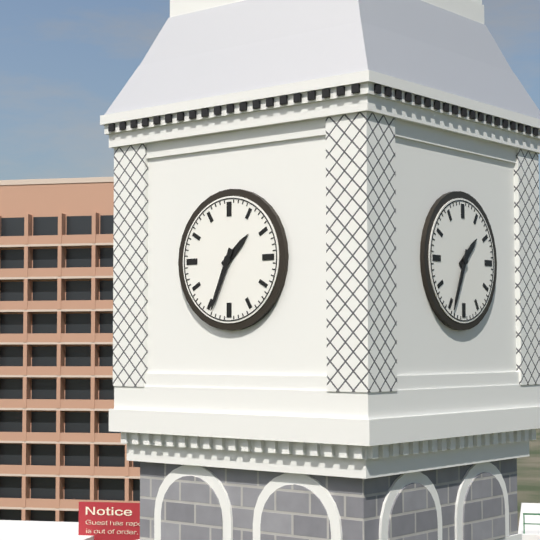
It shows 1h34
